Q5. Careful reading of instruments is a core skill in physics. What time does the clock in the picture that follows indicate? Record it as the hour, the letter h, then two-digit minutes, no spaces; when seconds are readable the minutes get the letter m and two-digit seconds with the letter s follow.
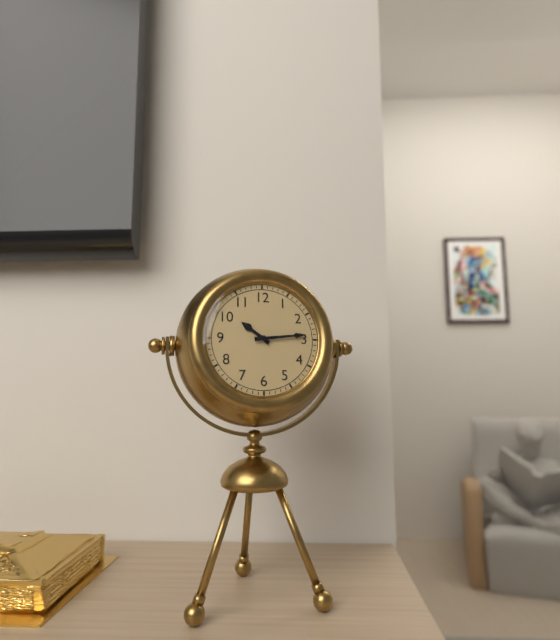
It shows 10h14
